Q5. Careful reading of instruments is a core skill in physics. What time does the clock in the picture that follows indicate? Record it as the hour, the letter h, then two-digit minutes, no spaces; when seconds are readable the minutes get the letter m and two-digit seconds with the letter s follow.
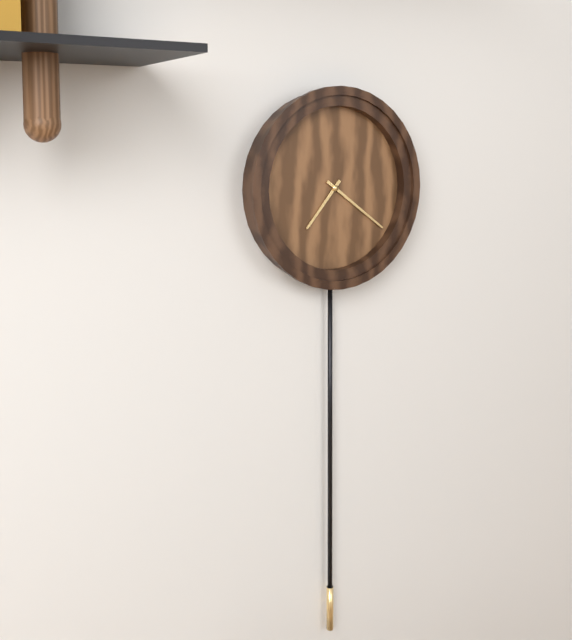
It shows 7h21
